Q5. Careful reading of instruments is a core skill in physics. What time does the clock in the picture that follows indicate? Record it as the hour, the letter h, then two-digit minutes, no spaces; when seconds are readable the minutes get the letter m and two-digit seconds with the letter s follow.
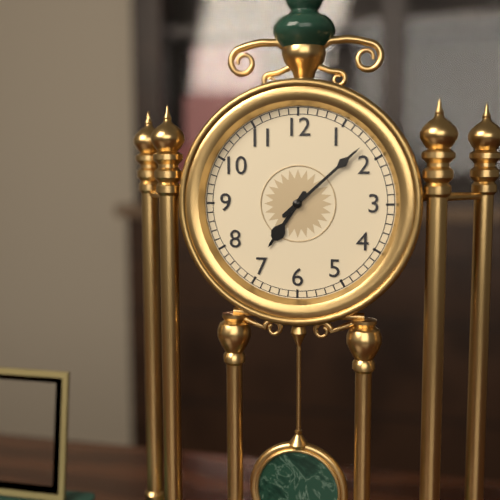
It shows 7h08
